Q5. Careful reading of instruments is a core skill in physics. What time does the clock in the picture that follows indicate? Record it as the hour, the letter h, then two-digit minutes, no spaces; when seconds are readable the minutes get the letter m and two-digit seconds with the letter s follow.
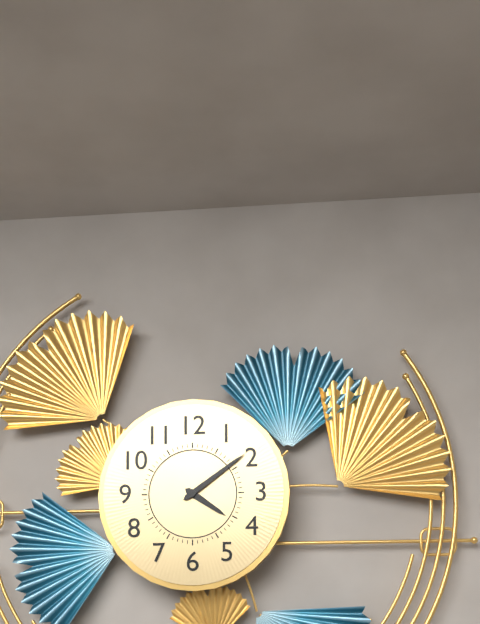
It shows 4h09
